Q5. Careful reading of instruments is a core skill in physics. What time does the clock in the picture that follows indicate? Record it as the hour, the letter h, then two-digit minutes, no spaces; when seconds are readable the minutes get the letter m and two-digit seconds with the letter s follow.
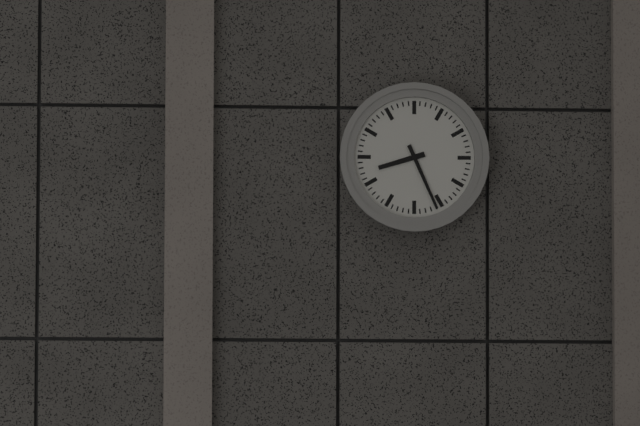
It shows 8h26
